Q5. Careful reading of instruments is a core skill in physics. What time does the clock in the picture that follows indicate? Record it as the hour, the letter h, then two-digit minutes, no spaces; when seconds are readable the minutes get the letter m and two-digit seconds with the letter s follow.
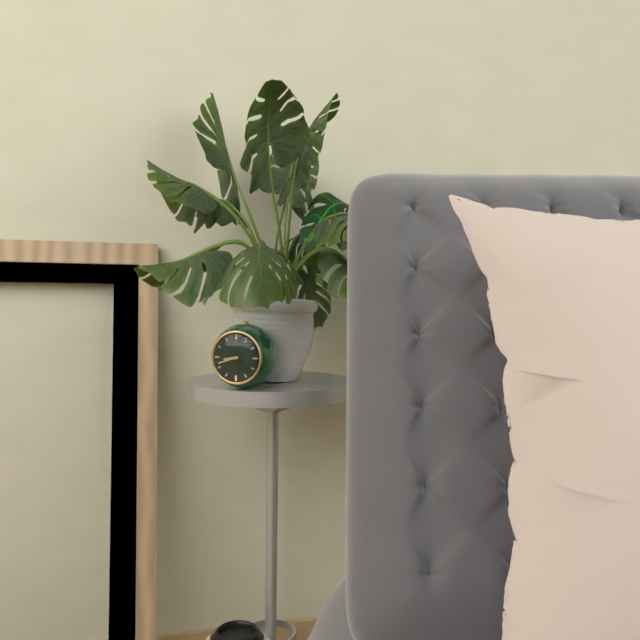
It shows 8h42
